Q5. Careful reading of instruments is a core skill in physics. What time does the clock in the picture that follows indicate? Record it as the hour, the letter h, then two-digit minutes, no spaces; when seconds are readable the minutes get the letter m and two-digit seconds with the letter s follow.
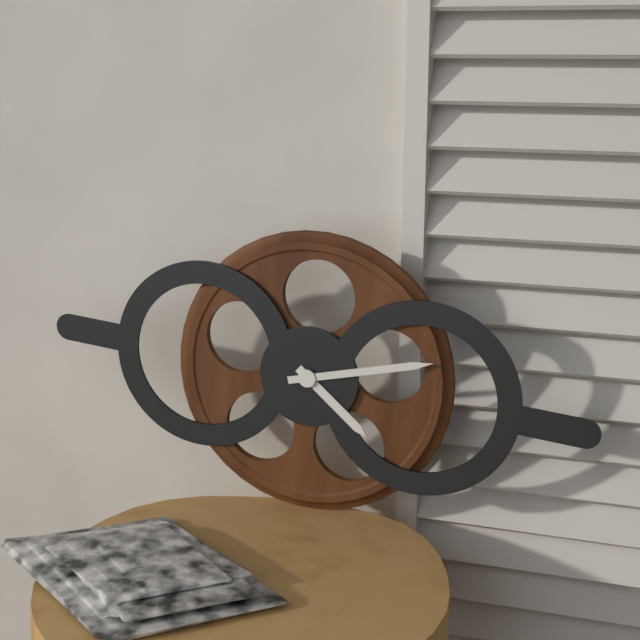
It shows 4h12
